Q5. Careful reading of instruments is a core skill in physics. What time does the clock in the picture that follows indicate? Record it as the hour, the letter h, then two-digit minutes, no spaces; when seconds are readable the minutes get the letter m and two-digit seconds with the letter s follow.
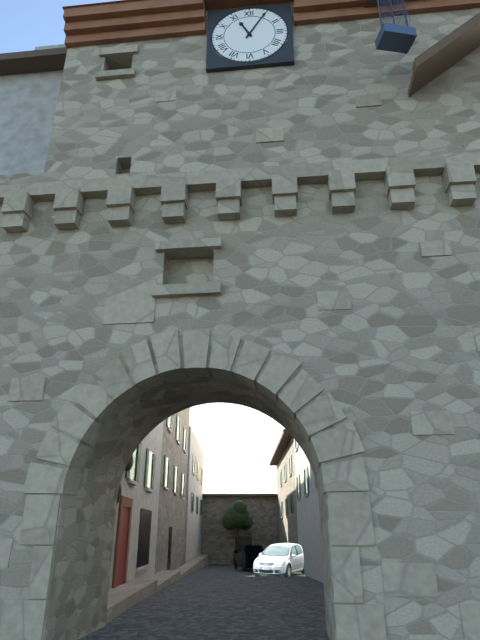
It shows 11h05
